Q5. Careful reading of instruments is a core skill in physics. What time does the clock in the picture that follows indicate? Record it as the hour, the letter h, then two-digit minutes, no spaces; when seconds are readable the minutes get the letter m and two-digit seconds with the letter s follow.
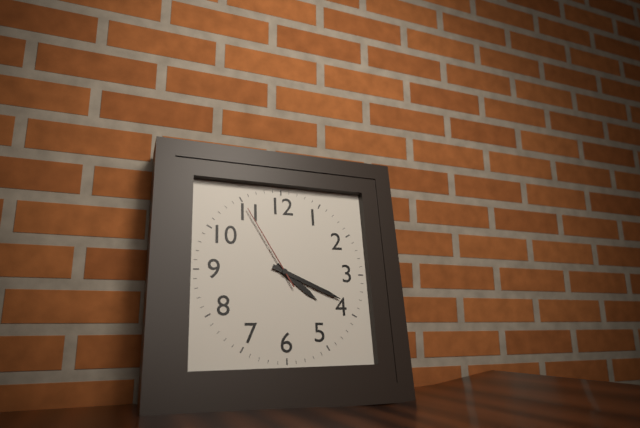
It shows 4h19m55s
